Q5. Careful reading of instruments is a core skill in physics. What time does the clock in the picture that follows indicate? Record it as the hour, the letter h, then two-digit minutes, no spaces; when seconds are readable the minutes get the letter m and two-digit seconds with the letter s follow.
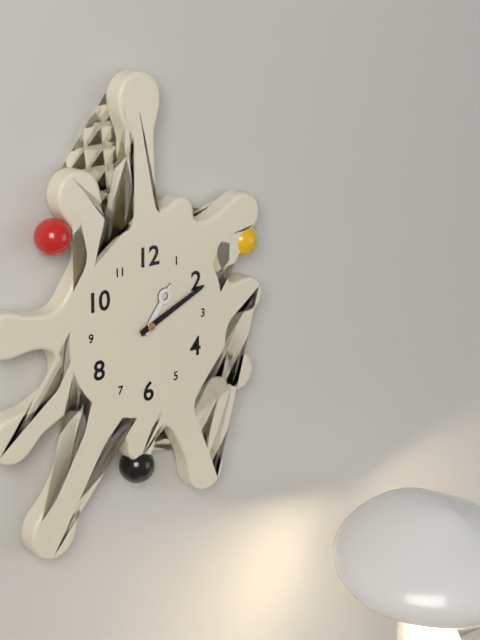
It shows 1h11
